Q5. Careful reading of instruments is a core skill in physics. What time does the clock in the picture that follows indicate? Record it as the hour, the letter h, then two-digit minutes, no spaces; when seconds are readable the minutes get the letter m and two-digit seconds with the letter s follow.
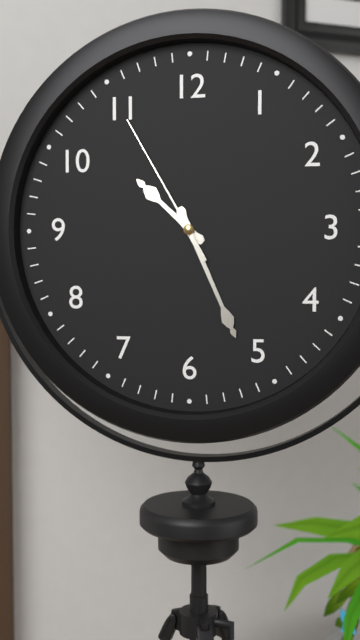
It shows 10h26m55s
